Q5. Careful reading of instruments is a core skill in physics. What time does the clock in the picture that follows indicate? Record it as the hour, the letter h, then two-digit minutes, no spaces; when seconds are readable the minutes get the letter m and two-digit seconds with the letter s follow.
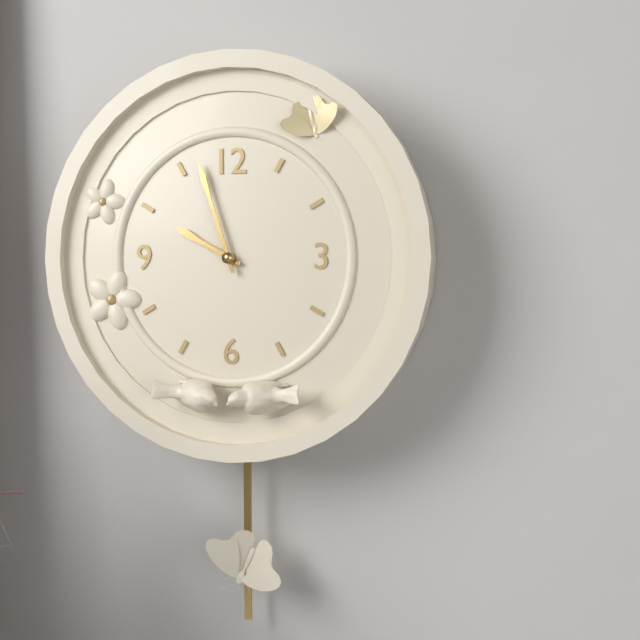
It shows 9h57
